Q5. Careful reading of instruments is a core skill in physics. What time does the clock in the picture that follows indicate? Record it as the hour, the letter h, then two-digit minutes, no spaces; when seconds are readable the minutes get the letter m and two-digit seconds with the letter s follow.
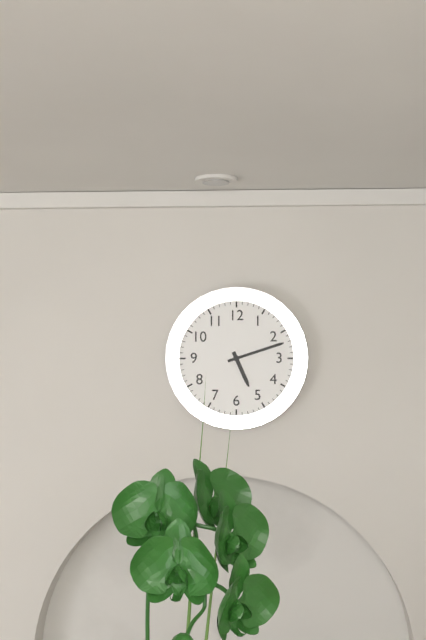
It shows 5h12
